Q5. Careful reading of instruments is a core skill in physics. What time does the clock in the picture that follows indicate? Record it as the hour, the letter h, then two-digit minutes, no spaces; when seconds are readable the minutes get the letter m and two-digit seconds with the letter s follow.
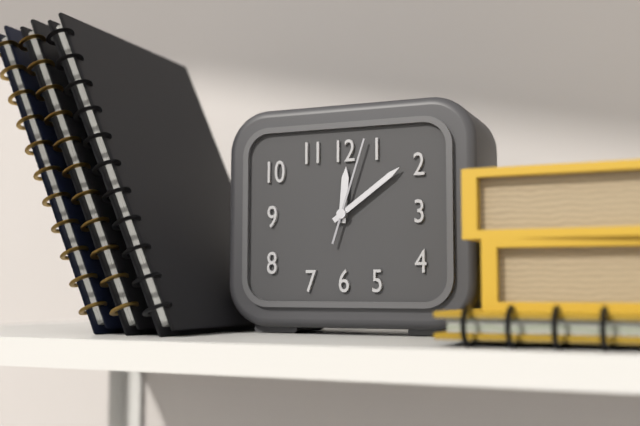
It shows 12h09m03s
